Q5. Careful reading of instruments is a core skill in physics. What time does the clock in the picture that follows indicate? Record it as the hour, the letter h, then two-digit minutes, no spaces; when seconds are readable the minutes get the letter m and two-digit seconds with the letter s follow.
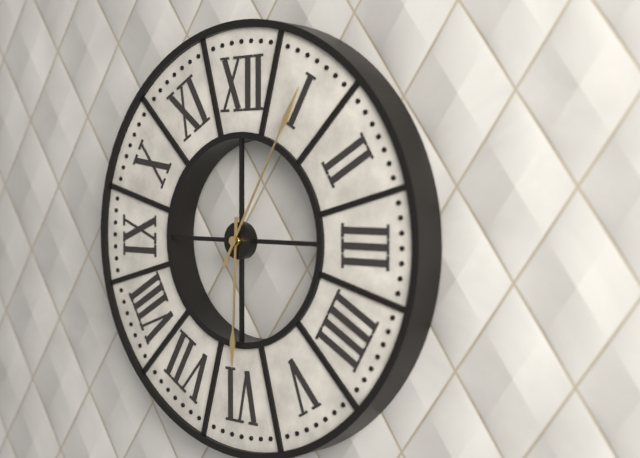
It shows 6h05
